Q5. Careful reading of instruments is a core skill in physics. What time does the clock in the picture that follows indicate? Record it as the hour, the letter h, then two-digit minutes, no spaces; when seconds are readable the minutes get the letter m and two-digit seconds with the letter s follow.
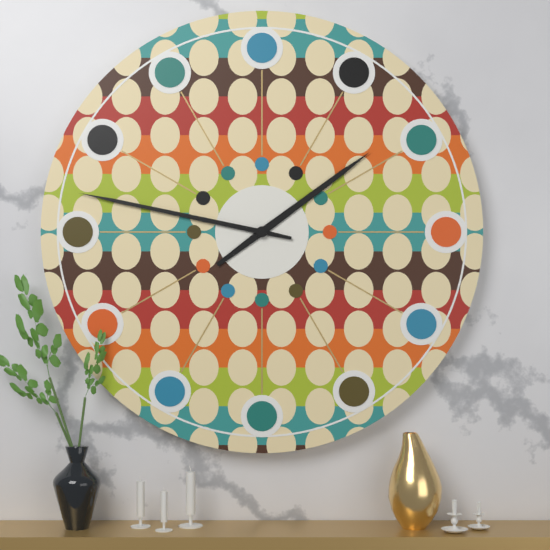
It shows 1h47
